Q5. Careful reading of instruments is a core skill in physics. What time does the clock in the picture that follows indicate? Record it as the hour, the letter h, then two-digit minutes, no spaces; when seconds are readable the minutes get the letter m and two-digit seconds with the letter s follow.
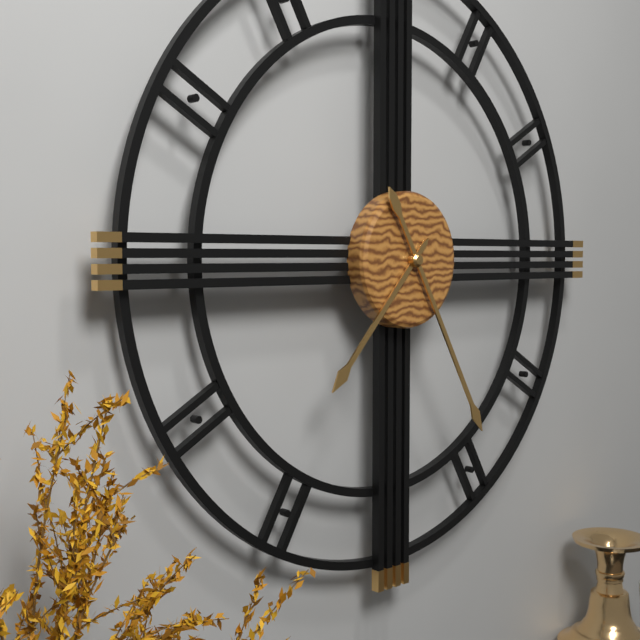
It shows 7h25
